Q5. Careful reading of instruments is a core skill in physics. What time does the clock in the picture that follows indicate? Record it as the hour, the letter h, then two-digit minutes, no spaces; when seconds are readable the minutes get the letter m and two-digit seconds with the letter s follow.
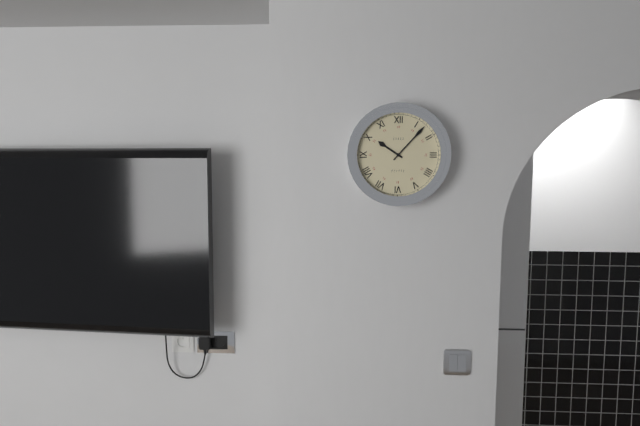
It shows 10h07
